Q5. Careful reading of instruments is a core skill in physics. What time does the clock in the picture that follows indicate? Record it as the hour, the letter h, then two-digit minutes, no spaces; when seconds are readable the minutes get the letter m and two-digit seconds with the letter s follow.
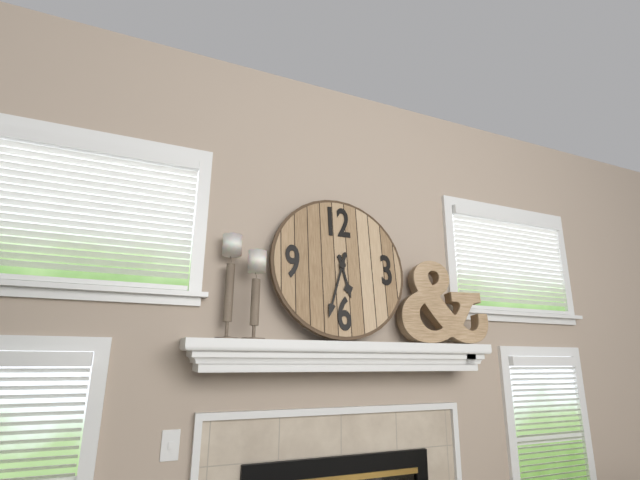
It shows 5h33
